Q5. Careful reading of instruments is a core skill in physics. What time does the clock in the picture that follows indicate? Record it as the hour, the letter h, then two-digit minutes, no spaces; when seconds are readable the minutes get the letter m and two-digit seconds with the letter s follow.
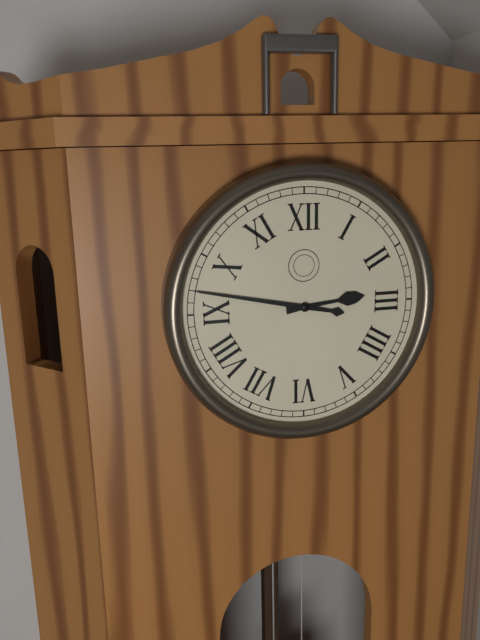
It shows 2h47
